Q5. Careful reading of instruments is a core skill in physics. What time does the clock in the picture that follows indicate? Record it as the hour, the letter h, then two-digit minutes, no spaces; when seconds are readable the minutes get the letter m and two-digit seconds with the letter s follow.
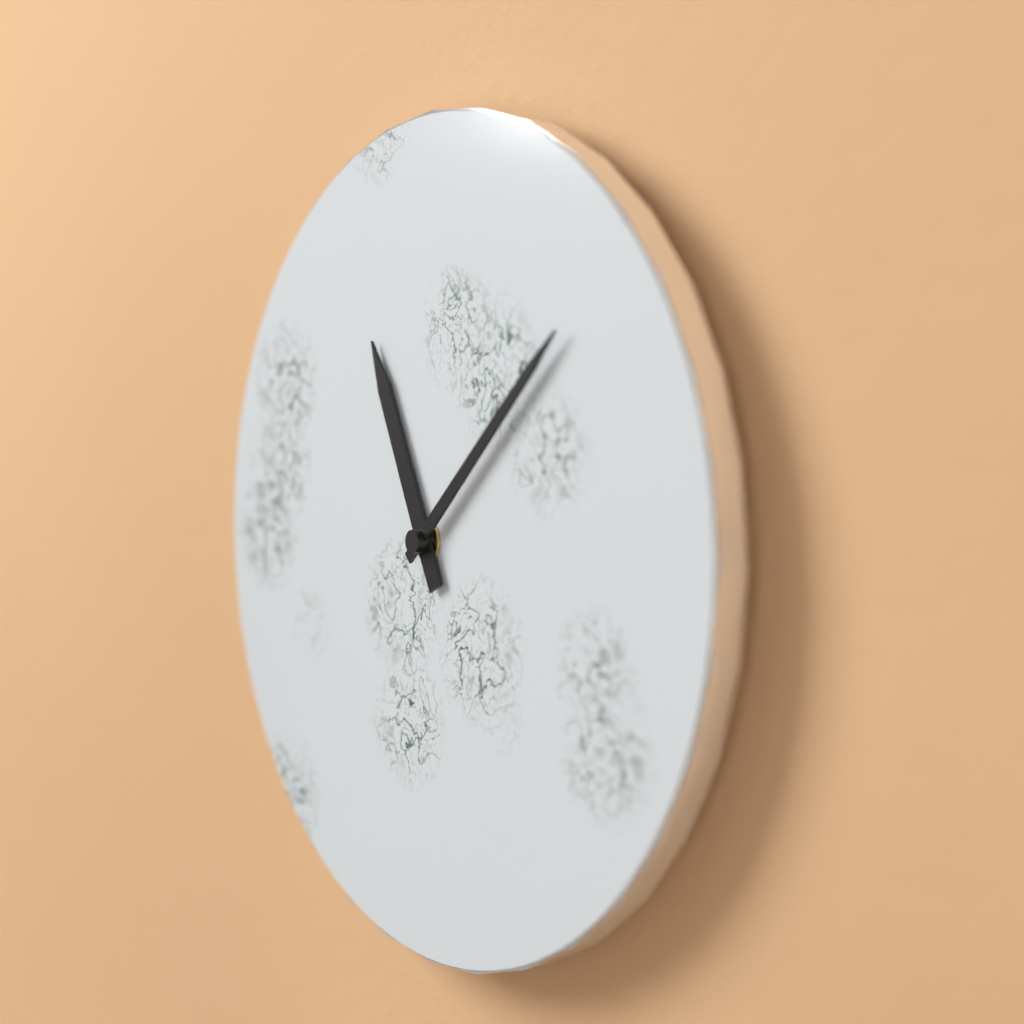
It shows 11h08
